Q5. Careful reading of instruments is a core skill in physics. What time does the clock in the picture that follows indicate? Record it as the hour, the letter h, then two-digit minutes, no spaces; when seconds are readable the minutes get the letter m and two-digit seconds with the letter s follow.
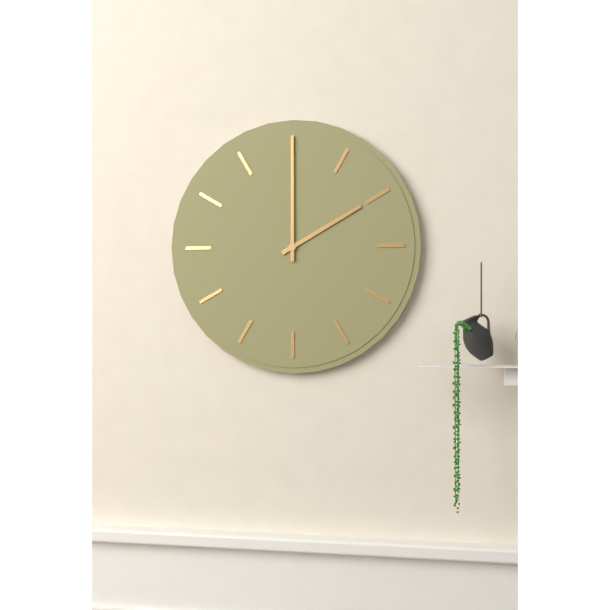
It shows 2h00
